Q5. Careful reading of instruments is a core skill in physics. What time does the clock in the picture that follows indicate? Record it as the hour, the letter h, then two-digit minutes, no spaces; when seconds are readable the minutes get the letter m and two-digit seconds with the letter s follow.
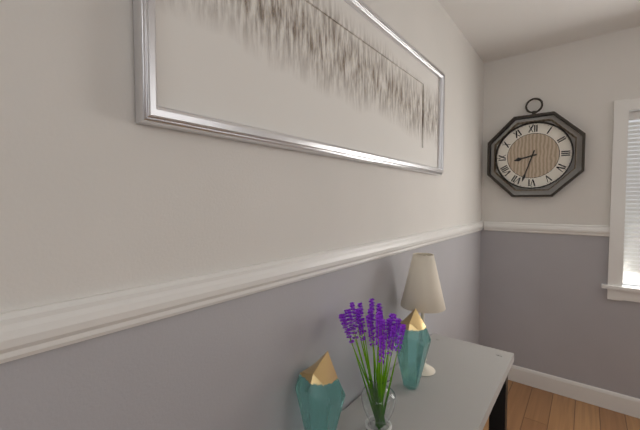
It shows 8h33
